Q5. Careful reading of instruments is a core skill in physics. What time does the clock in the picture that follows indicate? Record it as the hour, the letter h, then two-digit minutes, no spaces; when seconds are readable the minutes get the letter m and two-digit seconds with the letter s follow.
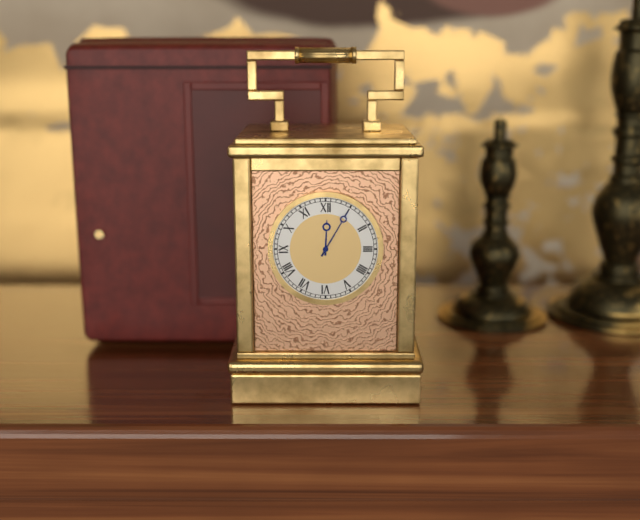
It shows 12h05
